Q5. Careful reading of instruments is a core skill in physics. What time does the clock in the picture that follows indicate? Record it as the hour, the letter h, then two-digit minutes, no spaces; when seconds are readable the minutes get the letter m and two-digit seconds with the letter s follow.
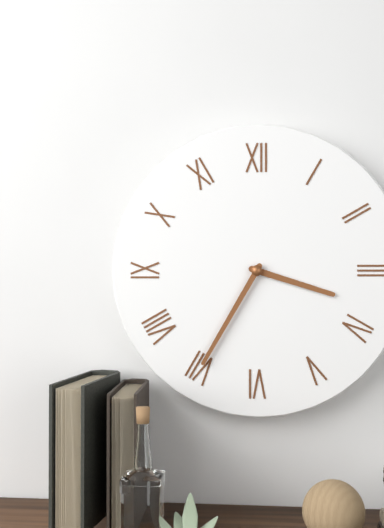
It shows 3h35
